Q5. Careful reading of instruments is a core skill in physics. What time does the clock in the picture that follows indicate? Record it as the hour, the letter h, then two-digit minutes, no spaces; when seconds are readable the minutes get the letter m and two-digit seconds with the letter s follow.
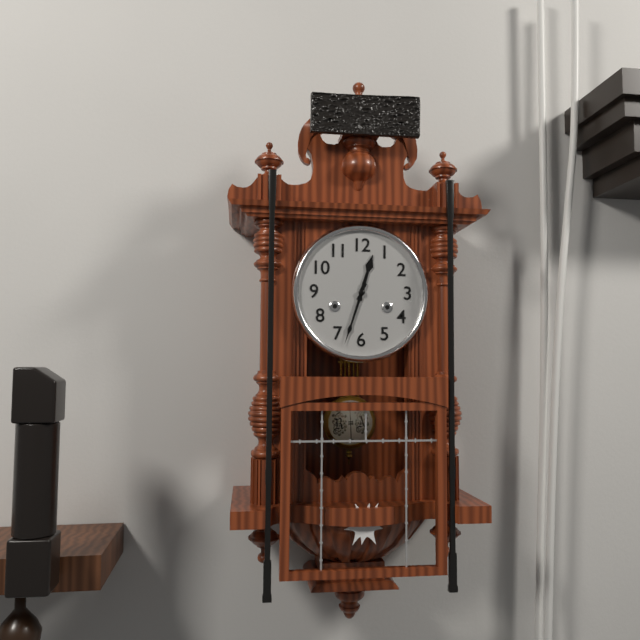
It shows 12h33
